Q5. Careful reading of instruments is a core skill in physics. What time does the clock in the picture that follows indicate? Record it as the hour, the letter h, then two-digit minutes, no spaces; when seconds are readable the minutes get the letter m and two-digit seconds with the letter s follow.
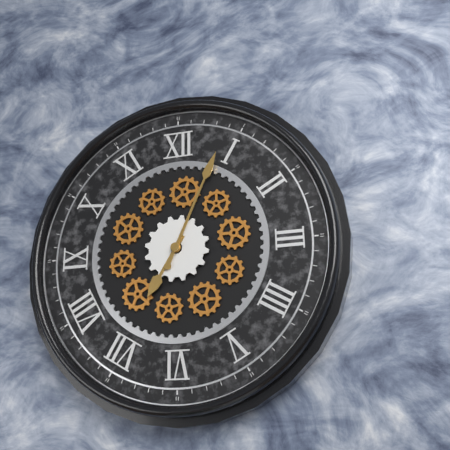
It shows 7h04
